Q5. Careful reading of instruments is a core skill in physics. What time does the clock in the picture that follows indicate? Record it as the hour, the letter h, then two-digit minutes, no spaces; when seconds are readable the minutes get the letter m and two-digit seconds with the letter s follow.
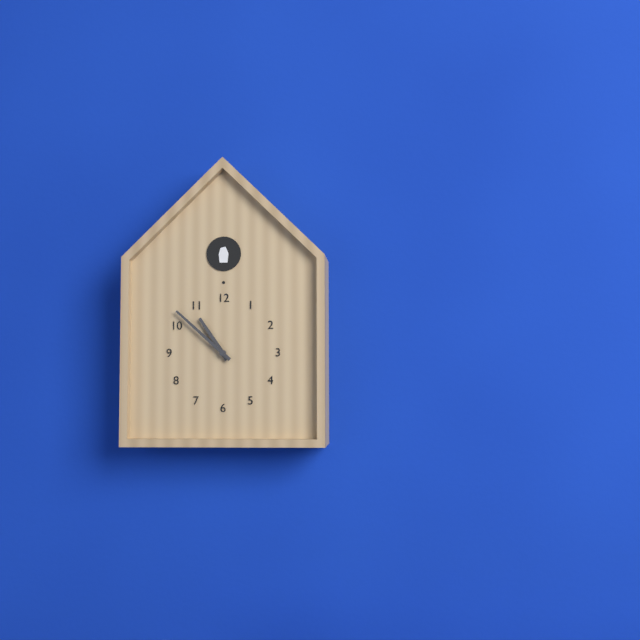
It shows 10h52
